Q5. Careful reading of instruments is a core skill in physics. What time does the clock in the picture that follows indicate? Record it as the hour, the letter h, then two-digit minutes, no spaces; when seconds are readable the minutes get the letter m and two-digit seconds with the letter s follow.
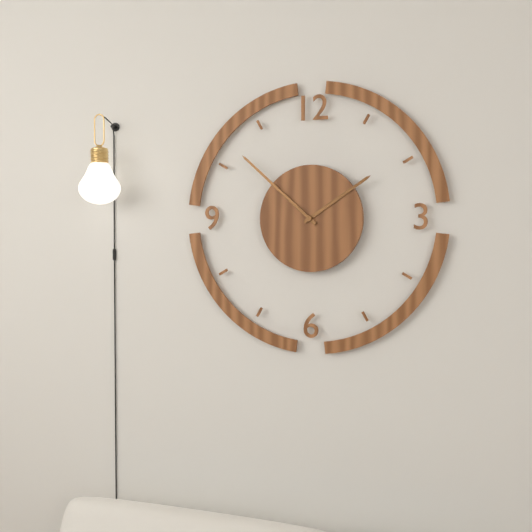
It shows 1h52
